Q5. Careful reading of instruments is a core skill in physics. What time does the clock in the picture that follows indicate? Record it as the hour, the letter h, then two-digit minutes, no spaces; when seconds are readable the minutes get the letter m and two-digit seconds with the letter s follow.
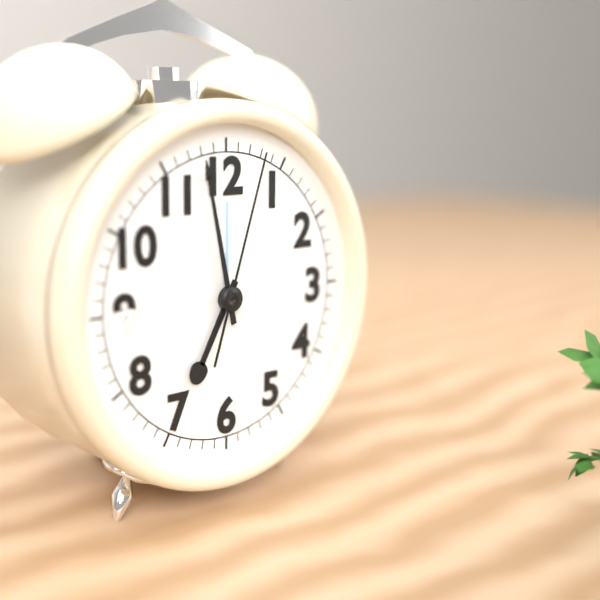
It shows 6h58m03s
